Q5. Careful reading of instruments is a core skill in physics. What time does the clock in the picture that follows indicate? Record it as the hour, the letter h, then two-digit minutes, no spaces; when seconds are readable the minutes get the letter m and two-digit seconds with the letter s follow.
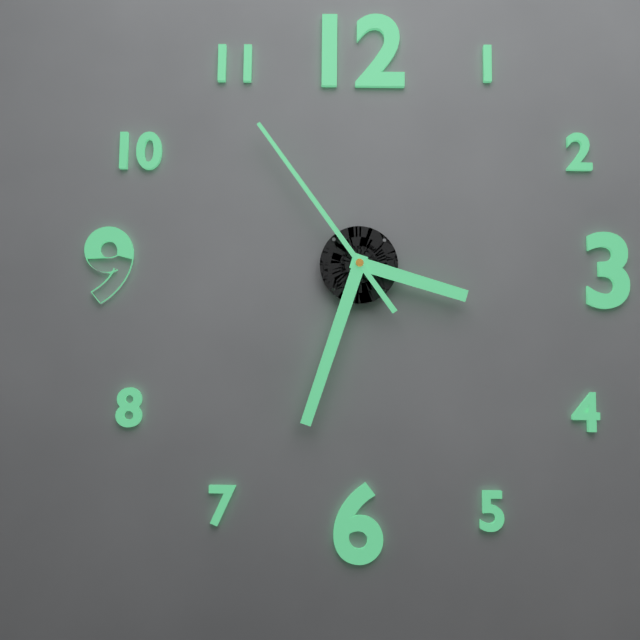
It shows 3h33m54s
